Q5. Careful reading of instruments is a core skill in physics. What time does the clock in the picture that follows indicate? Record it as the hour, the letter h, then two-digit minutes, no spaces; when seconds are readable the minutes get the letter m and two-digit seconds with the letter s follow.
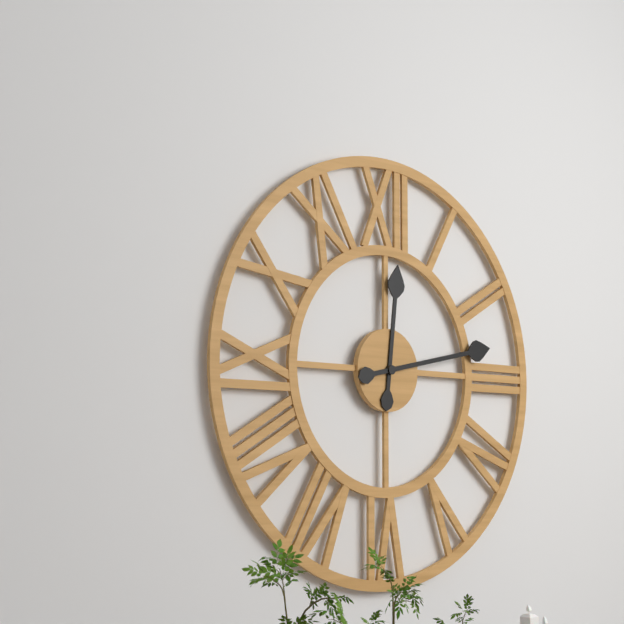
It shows 12h13
